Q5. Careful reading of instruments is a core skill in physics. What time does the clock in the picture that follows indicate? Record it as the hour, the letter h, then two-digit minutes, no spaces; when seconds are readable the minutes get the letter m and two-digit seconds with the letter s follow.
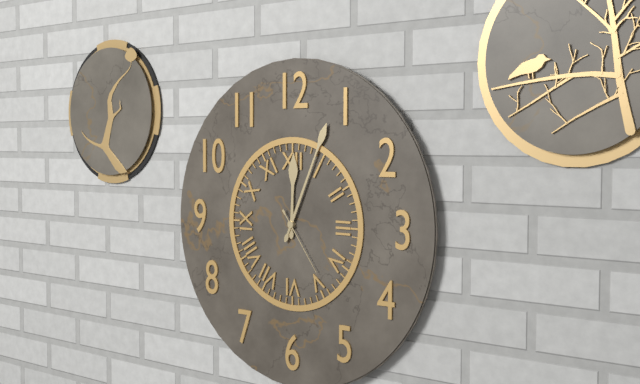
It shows 12h04m24s
